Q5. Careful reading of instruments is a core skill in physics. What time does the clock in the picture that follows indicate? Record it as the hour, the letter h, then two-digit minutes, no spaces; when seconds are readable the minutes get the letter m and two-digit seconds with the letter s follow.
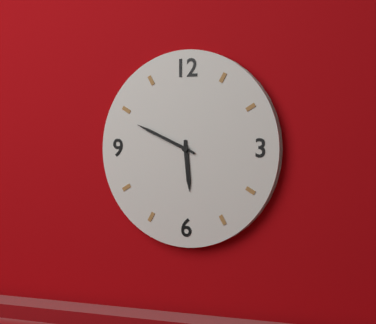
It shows 5h49
